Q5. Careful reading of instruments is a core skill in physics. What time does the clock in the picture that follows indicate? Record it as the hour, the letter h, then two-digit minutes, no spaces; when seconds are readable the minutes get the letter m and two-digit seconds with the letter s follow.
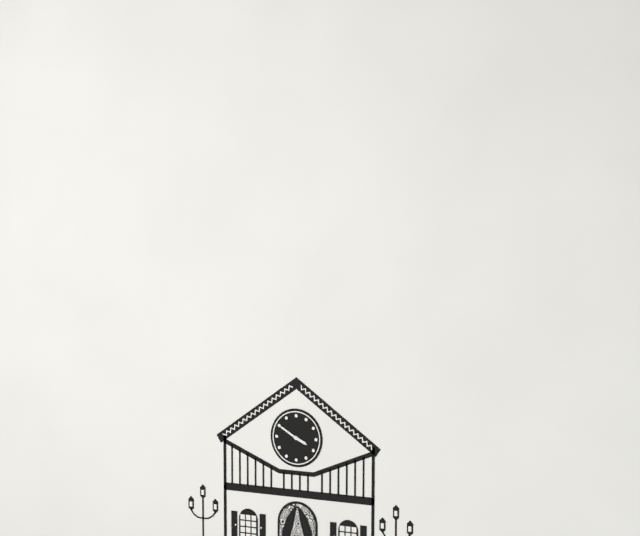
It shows 3h50
